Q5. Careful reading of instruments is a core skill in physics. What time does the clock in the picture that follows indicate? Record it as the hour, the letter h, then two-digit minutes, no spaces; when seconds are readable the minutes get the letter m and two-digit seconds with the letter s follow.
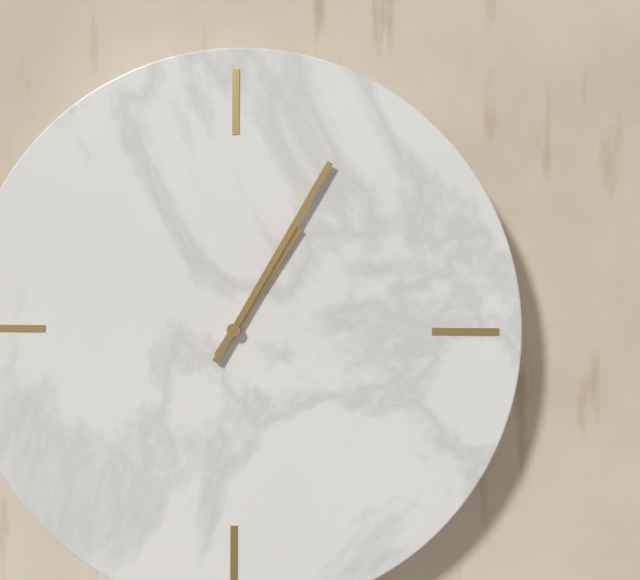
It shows 1h05
